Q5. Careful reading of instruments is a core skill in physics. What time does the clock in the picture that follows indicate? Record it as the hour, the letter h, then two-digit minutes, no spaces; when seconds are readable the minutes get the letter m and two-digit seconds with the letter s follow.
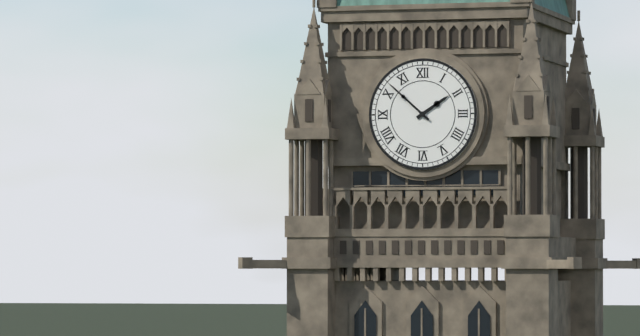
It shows 1h52
